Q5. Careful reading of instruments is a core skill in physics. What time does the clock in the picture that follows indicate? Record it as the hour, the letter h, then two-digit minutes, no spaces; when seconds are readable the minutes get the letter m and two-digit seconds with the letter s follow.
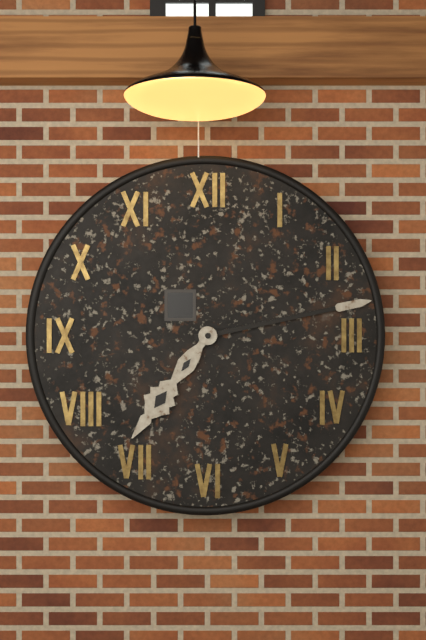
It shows 7h13
